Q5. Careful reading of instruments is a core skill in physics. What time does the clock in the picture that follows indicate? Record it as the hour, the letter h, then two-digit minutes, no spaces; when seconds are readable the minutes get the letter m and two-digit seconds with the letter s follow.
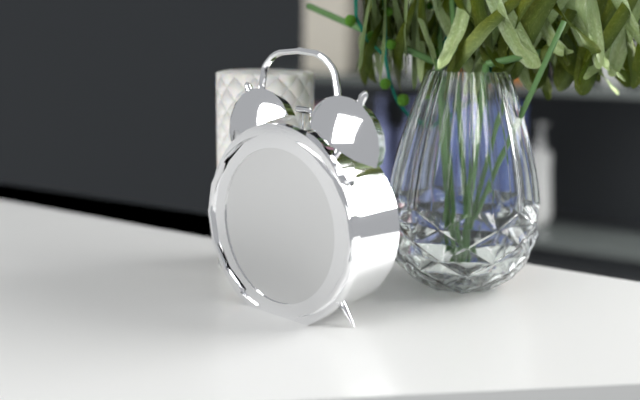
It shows 10h59m15s
